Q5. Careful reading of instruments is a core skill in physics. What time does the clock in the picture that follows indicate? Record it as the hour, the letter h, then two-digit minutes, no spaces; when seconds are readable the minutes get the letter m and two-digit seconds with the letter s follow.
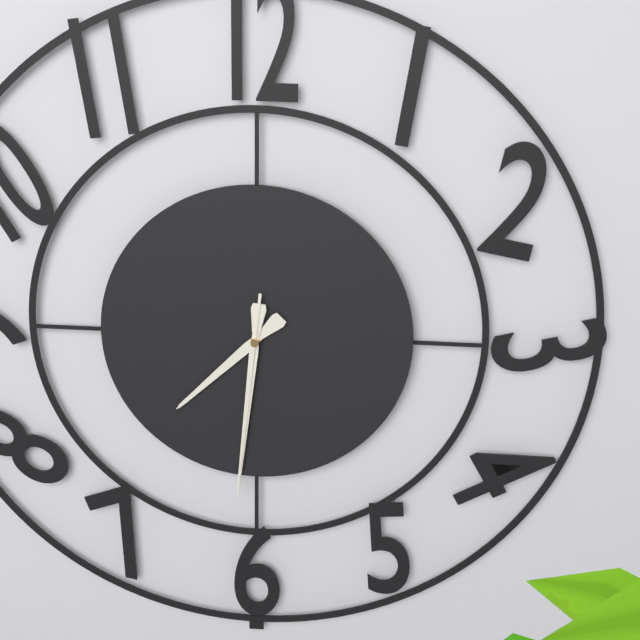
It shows 7h31m31s
